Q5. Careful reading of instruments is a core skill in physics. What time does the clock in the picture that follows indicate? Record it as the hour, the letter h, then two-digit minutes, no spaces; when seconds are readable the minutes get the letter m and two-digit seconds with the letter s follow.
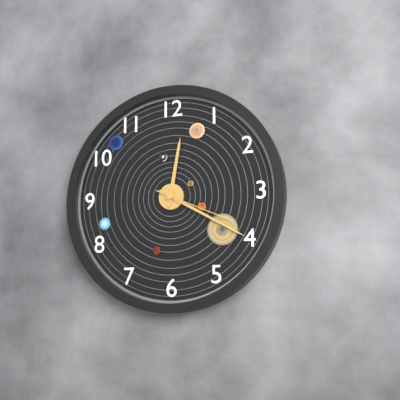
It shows 12h20m19s
